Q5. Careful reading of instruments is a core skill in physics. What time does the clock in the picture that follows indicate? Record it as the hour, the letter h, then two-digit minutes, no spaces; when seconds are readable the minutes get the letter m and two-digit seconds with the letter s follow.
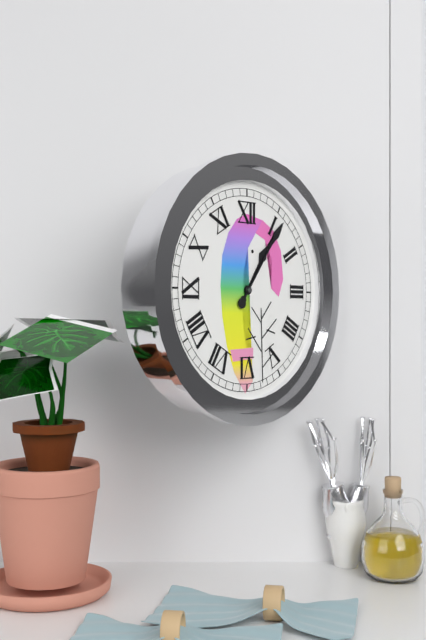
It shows 1h06
